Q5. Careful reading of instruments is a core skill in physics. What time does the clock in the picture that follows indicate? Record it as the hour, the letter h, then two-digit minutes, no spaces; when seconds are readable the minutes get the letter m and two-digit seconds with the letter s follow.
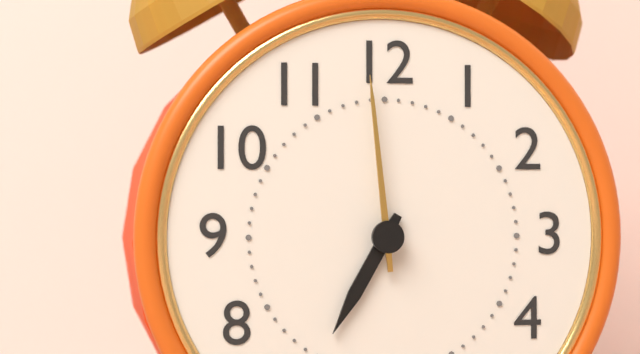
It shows 6h59
